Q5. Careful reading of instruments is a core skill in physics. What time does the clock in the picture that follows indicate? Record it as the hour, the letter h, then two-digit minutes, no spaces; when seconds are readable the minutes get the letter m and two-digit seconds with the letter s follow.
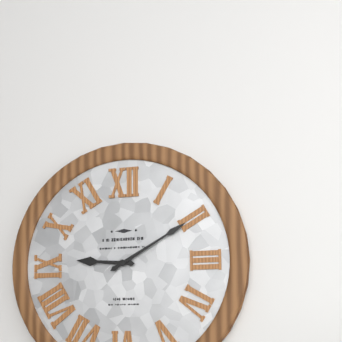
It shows 9h10
